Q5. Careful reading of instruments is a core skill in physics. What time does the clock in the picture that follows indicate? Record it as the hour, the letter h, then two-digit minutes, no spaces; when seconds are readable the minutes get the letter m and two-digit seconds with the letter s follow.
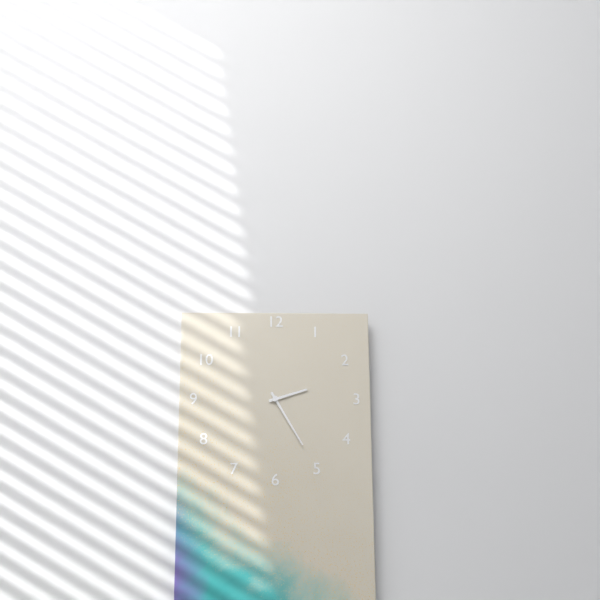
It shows 2h25
